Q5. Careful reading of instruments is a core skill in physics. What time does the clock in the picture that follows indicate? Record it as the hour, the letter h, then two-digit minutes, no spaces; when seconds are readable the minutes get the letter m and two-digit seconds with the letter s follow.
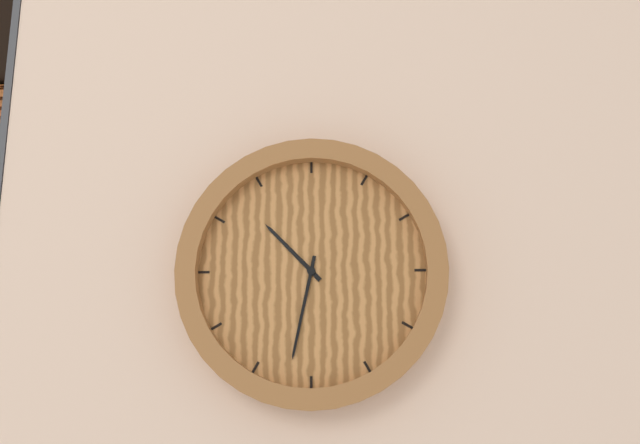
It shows 10h32
